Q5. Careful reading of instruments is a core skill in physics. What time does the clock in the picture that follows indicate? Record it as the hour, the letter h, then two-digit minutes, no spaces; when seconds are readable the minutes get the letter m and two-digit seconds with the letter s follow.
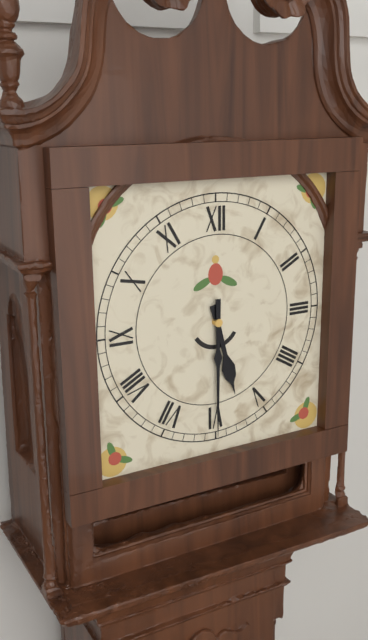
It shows 5h30
